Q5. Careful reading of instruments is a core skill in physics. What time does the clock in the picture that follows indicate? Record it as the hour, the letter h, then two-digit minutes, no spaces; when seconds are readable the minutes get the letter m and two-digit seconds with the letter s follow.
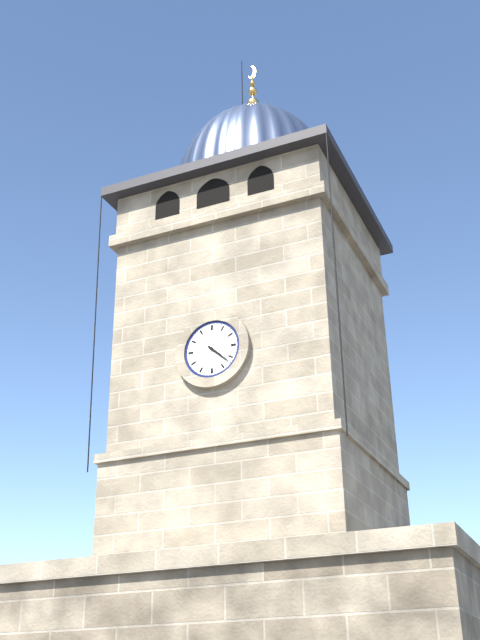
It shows 4h22
